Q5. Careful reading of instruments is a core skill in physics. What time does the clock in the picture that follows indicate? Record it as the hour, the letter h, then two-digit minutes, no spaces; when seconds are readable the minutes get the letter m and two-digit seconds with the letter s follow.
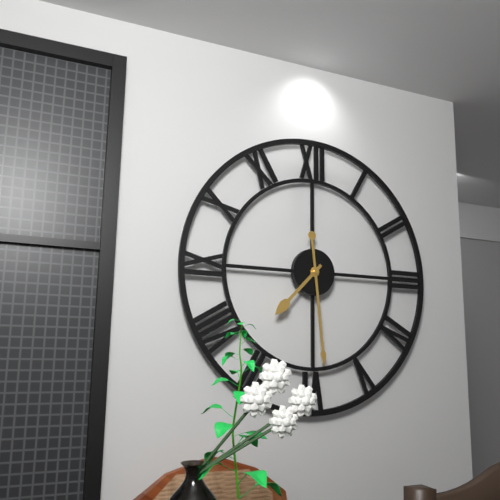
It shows 7h29
